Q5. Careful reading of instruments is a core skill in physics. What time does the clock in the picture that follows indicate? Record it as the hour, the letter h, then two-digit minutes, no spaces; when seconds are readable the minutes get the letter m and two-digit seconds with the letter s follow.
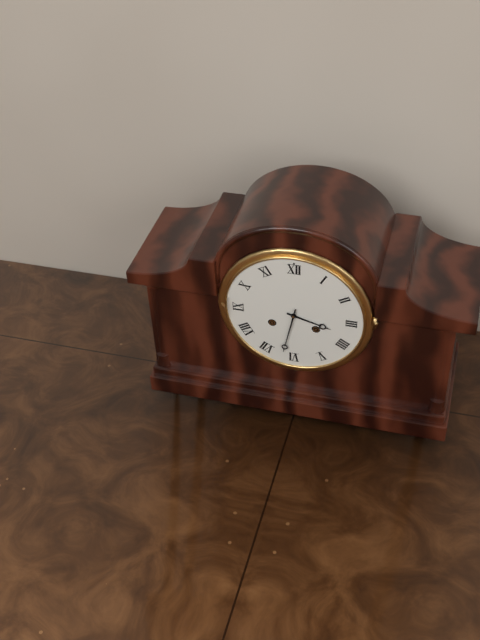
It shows 3h32
